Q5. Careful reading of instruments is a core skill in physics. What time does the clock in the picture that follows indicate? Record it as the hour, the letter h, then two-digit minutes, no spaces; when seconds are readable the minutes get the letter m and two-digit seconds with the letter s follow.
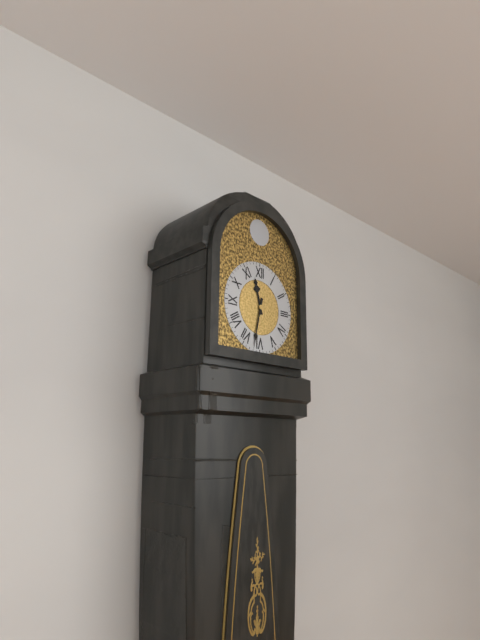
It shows 11h32
